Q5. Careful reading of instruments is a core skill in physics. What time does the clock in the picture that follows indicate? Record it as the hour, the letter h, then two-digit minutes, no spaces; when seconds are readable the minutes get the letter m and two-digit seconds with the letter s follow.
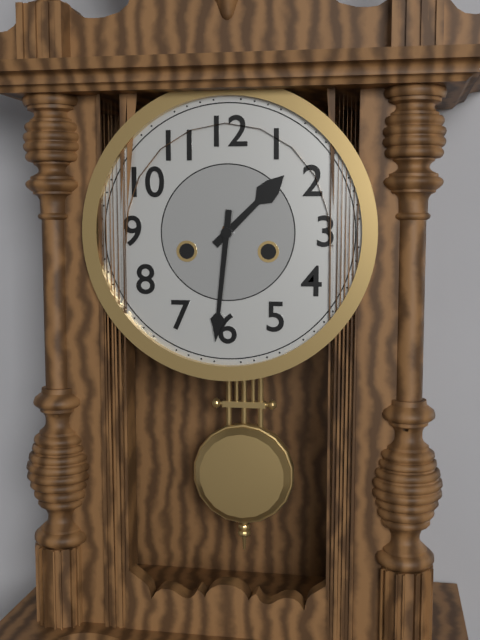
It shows 1h31
